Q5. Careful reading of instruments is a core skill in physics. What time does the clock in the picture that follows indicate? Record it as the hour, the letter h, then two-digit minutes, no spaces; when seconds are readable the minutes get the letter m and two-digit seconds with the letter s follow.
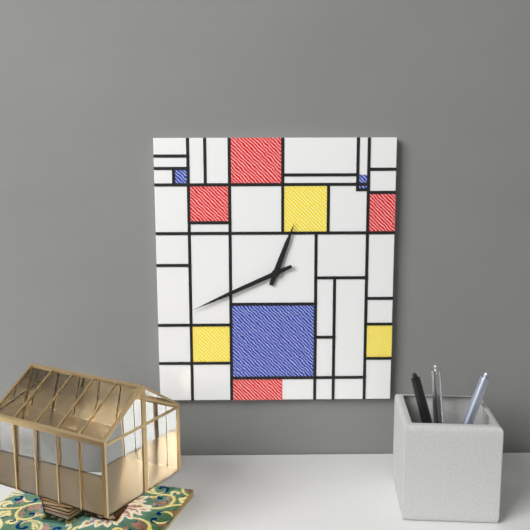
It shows 12h41
